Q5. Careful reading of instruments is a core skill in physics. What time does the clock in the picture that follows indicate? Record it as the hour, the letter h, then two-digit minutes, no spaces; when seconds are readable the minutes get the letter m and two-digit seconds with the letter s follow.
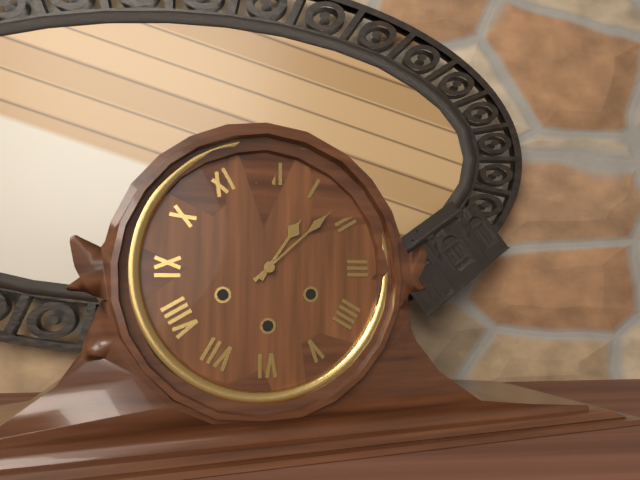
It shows 1h08
